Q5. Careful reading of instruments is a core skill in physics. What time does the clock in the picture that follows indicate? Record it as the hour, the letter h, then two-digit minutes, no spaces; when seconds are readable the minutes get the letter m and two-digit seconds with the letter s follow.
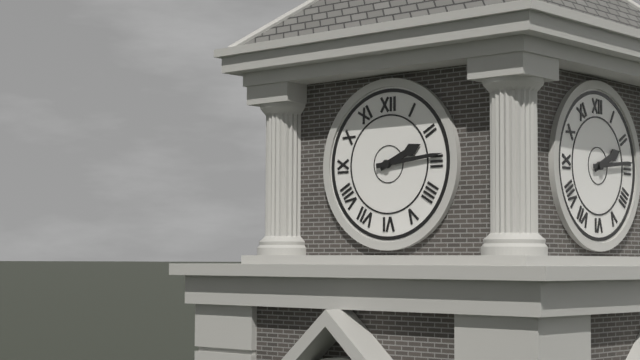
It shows 2h14
